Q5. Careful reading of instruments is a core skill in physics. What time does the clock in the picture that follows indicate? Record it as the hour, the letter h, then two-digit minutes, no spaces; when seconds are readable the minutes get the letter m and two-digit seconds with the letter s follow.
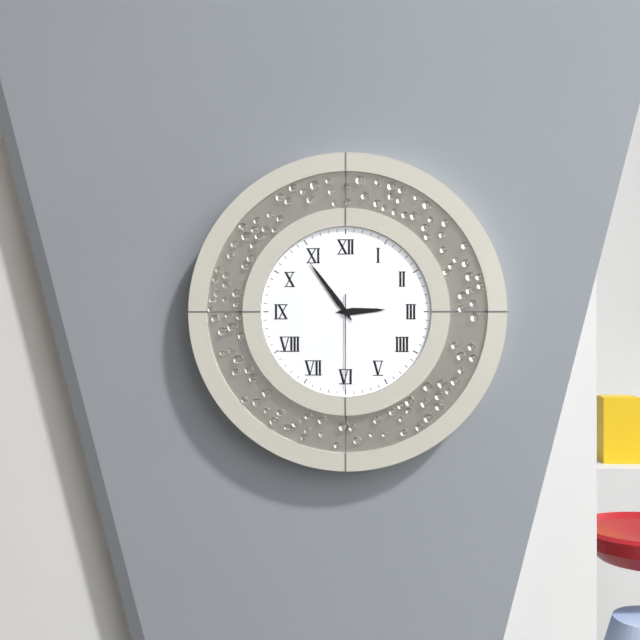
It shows 2h54m30s
